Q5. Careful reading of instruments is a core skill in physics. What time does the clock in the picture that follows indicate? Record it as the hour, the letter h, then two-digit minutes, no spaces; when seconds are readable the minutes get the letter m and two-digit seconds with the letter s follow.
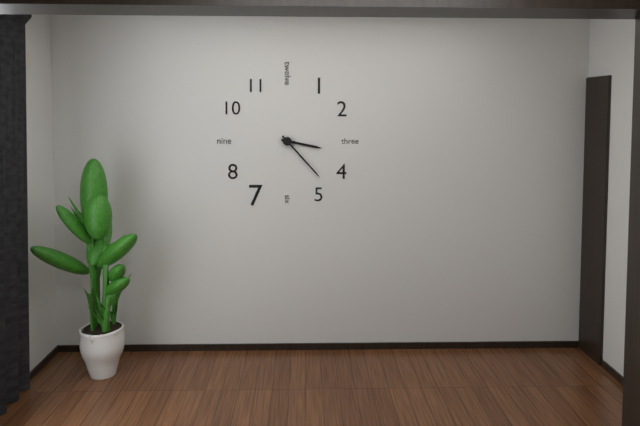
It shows 3h23
